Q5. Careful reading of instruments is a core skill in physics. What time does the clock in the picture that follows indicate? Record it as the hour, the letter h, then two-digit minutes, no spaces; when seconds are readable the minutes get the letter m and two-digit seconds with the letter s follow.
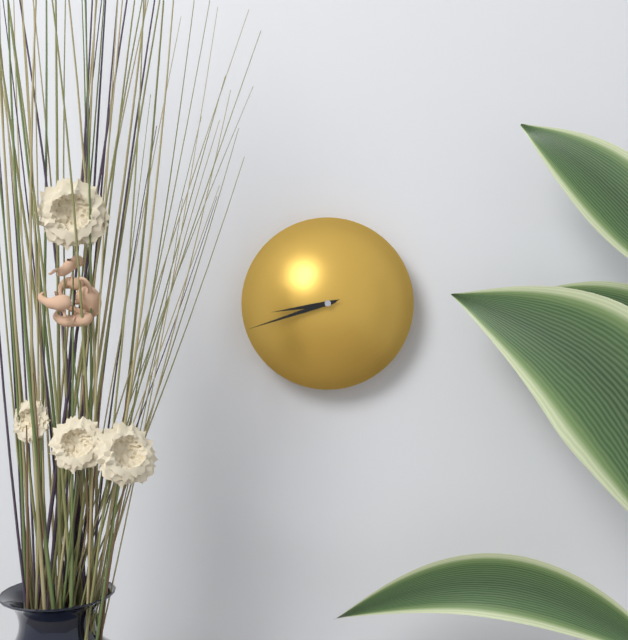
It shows 8h42
